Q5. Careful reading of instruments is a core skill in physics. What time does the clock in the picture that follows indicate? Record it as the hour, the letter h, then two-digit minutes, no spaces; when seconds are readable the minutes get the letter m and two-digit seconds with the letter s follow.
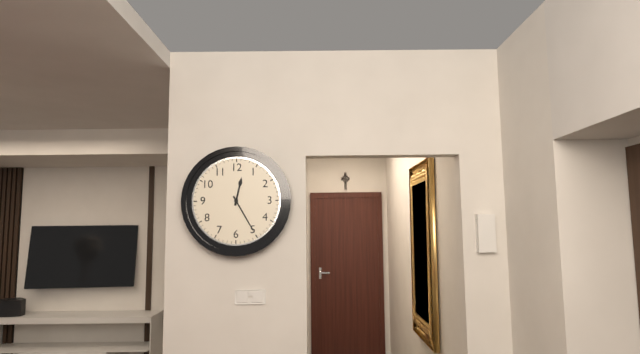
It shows 12h25
